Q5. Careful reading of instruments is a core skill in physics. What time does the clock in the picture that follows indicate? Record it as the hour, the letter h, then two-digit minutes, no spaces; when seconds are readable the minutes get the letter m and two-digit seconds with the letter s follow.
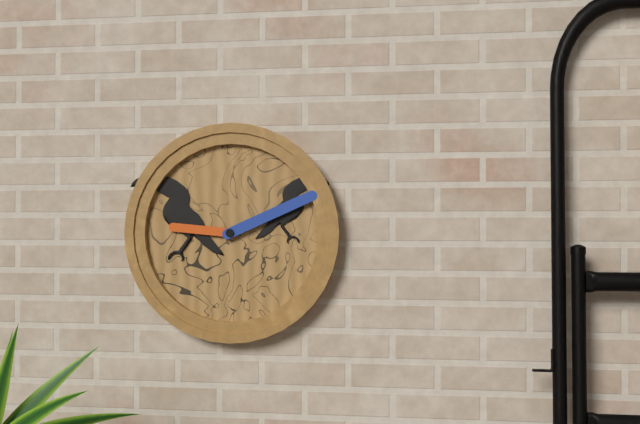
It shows 9h11
